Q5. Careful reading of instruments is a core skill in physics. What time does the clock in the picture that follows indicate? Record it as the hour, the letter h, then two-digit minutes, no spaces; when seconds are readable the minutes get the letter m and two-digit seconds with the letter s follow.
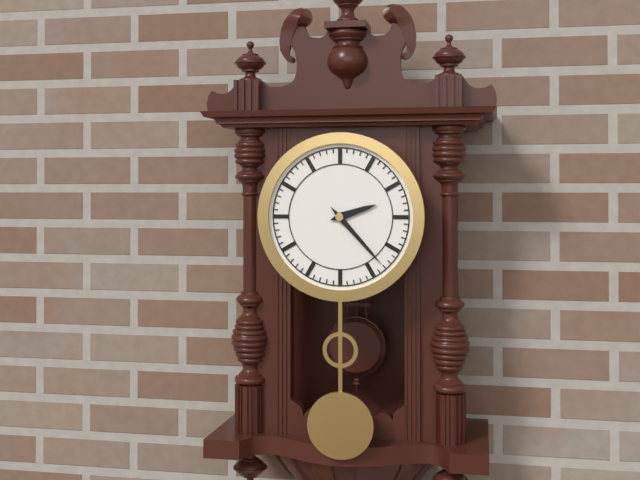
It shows 2h23
